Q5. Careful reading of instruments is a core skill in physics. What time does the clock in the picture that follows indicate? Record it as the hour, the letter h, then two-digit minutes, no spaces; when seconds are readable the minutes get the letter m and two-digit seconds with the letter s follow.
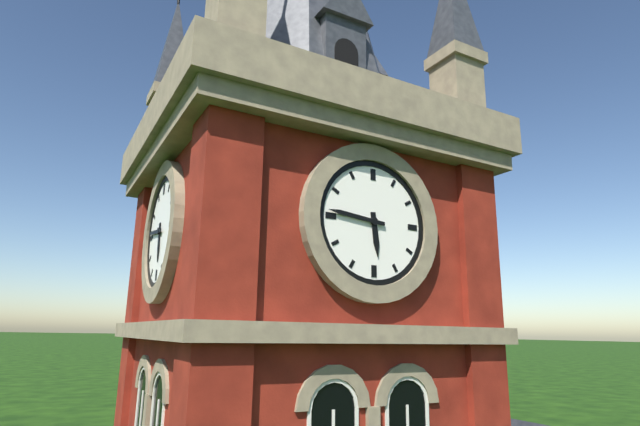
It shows 5h46
